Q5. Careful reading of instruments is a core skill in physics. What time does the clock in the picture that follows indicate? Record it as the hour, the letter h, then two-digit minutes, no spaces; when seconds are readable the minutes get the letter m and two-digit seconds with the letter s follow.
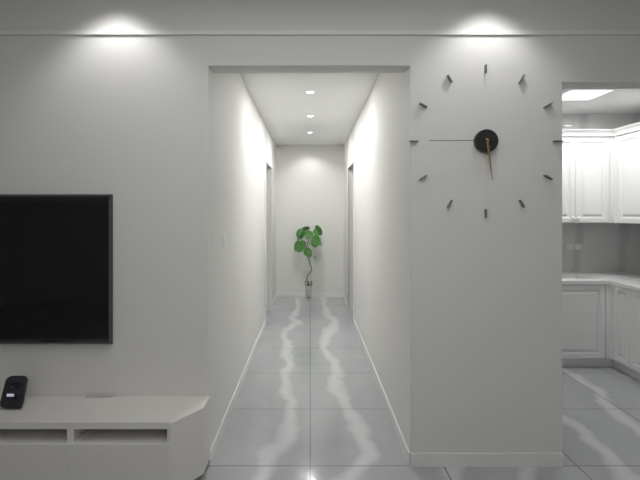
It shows 5h45
